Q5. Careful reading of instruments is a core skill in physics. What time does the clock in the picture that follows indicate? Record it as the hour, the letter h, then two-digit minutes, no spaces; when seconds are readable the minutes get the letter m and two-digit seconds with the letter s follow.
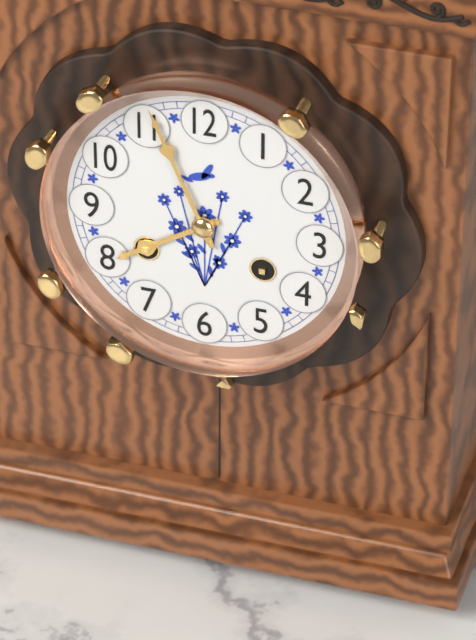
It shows 7h56
